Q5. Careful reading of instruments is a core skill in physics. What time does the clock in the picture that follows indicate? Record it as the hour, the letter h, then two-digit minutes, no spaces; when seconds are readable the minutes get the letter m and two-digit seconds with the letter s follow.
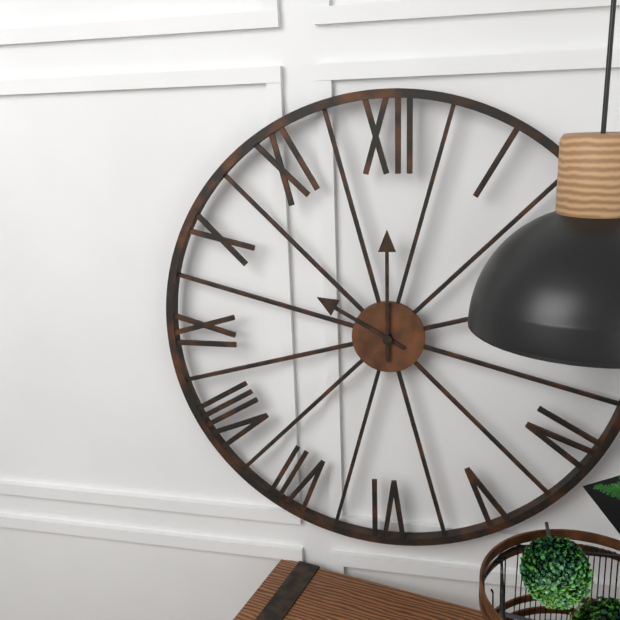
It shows 10h00
